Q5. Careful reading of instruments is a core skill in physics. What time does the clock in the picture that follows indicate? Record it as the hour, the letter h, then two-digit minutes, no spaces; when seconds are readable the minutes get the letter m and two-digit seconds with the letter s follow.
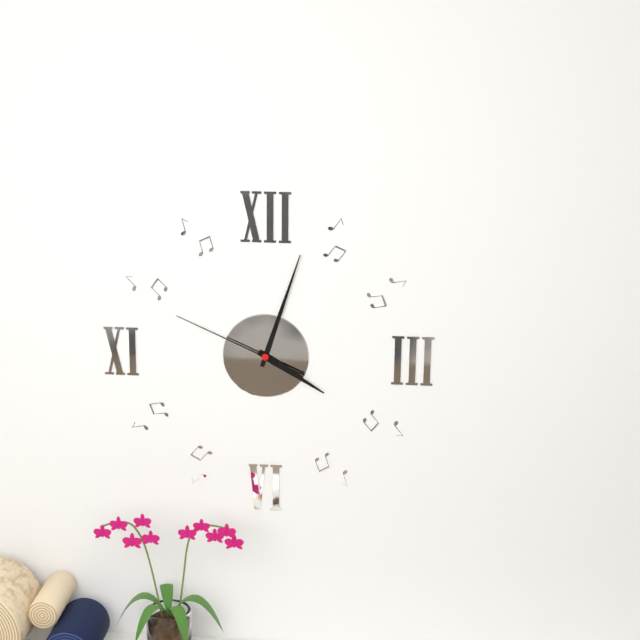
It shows 4h03m49s
